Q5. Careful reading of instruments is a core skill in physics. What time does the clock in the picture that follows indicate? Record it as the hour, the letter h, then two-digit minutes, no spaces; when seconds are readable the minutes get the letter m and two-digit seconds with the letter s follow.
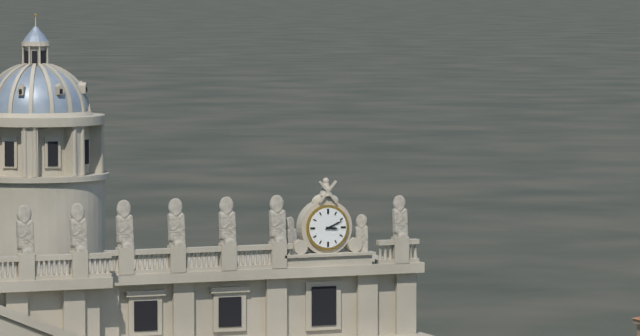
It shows 3h11
